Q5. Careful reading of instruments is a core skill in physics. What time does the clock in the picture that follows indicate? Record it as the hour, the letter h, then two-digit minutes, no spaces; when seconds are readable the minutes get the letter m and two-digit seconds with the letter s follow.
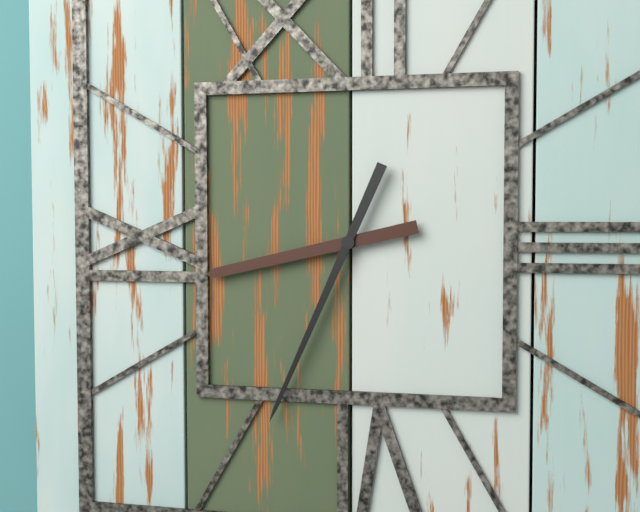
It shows 8h34
